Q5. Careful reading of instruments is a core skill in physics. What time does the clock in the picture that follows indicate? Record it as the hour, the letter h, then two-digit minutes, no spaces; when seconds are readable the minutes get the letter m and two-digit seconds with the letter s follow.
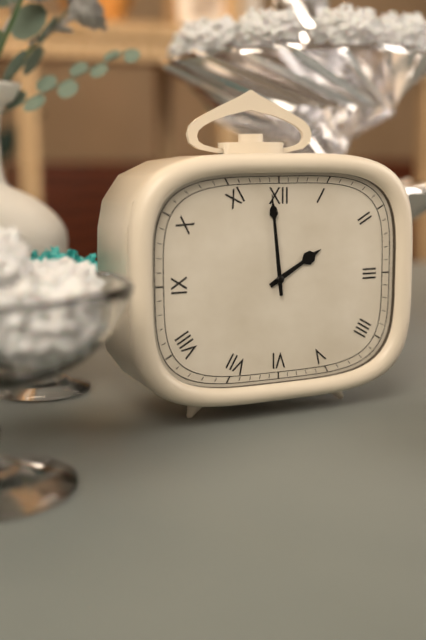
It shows 1h59
